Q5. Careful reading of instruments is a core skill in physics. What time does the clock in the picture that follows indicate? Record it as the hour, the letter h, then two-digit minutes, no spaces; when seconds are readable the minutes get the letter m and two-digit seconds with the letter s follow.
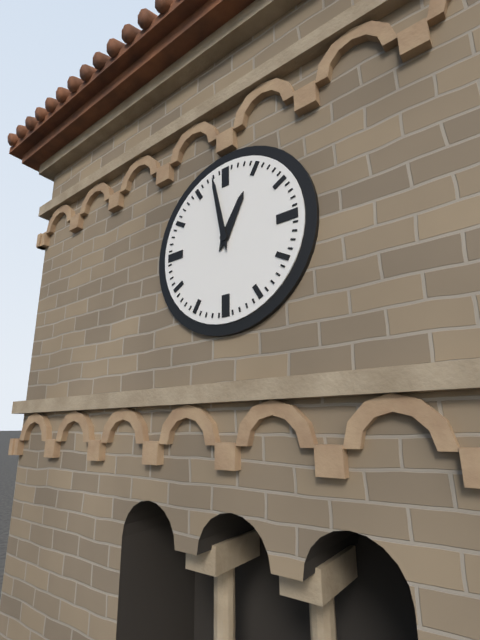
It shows 12h58
